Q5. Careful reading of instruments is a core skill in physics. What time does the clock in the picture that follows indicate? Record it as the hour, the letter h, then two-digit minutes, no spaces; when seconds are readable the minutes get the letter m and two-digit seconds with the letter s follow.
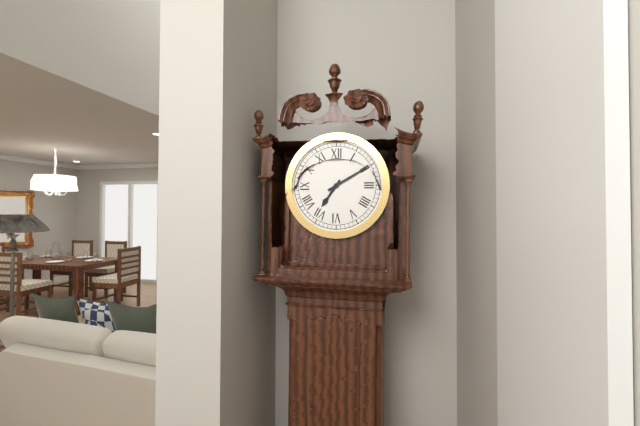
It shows 7h10
